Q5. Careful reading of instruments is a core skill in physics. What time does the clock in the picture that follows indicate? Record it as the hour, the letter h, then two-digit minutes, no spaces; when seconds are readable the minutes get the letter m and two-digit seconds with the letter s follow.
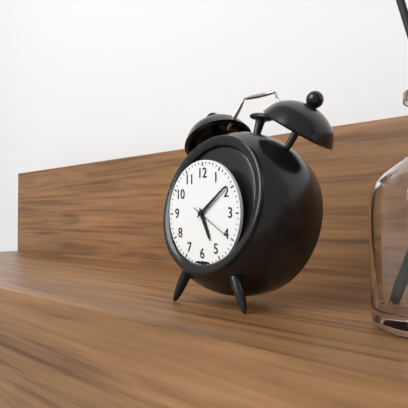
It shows 5h09
